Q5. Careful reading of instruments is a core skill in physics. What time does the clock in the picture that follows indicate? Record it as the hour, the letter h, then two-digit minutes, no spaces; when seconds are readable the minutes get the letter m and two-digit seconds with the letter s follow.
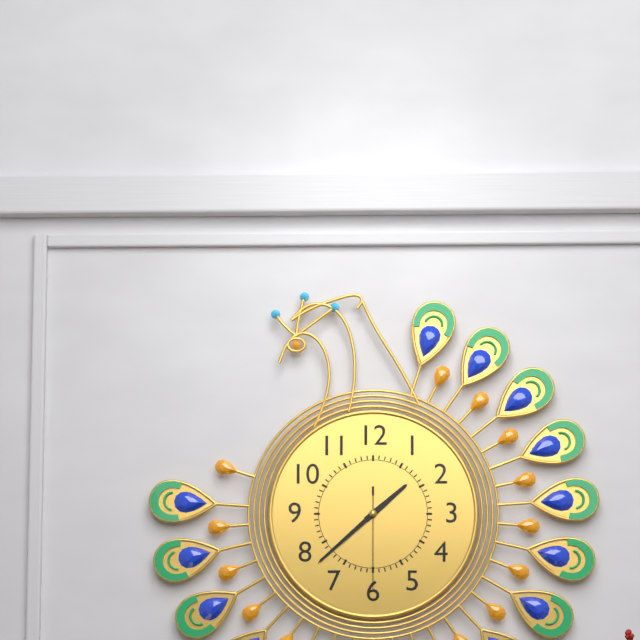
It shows 1h38m30s
